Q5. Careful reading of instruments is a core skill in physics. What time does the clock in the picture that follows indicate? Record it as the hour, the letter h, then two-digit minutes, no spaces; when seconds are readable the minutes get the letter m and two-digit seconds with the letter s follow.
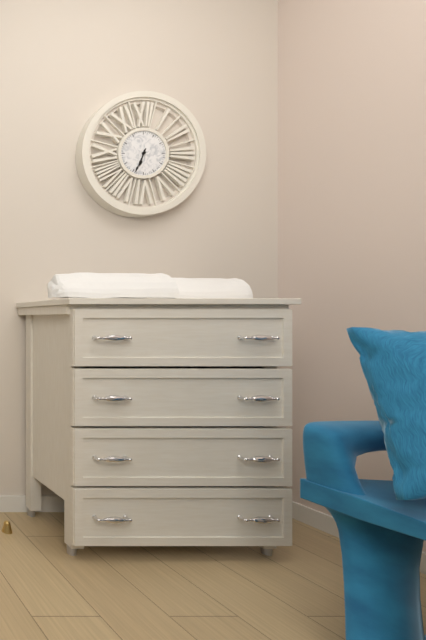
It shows 6h34
